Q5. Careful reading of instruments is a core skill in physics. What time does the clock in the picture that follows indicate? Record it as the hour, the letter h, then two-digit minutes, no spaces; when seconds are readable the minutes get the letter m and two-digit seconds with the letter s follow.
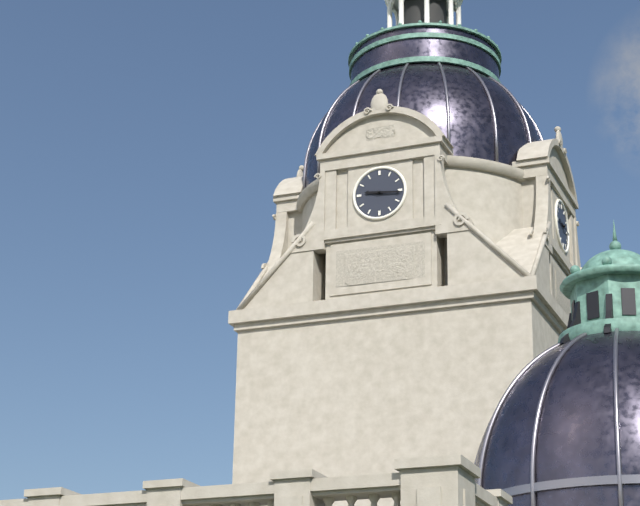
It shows 9h16
